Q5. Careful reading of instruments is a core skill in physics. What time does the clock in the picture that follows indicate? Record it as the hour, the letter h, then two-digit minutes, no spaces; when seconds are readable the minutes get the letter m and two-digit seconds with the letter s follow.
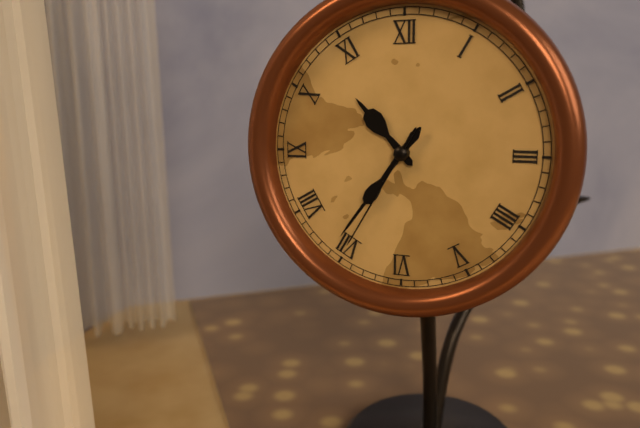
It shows 10h36m35s
